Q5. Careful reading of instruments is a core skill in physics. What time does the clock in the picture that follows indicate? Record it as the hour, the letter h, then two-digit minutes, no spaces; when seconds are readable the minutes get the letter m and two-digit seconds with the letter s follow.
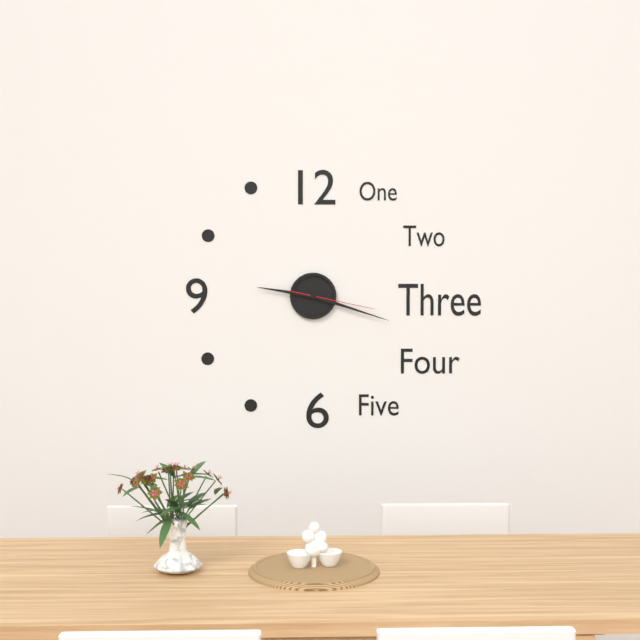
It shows 9h18m17s
